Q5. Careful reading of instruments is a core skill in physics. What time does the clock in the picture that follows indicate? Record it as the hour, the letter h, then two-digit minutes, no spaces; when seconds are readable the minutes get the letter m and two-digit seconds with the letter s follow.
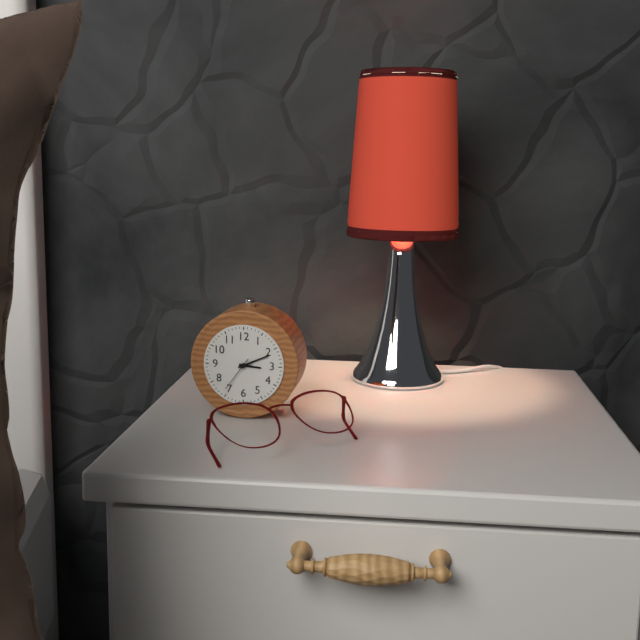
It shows 3h11
